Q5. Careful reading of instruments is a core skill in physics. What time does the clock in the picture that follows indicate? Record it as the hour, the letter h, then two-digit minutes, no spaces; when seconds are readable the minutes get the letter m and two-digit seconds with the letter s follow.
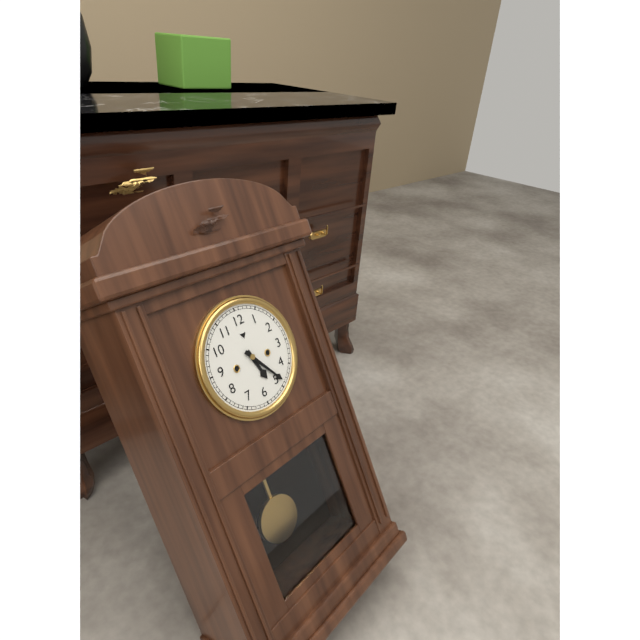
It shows 5h24
